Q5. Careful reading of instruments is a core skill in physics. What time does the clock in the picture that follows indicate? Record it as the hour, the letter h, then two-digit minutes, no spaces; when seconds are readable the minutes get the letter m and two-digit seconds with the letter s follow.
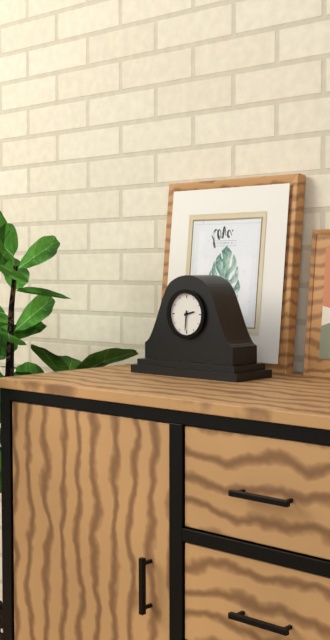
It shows 2h31
